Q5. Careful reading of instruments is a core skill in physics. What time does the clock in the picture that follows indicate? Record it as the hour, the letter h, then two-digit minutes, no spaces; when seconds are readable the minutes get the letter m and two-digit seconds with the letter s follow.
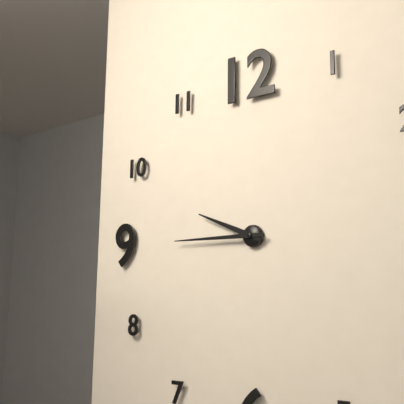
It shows 9h45
